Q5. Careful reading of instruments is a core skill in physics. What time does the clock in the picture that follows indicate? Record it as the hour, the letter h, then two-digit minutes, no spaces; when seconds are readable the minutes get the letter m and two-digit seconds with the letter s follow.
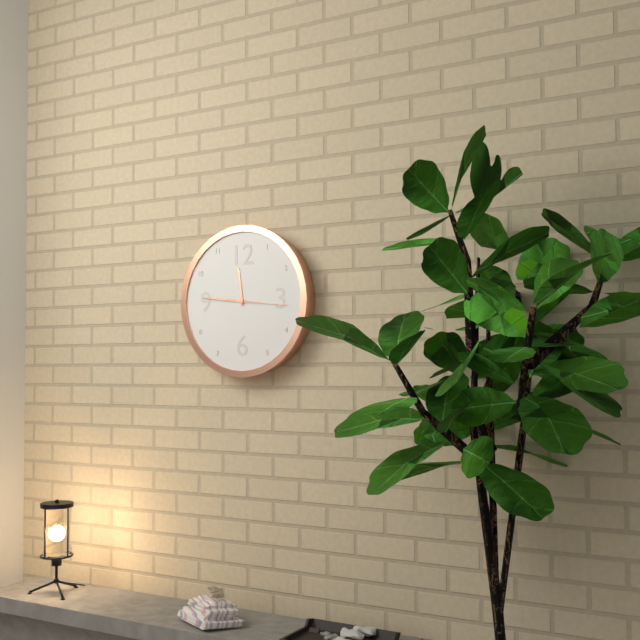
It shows 11h46m16s
